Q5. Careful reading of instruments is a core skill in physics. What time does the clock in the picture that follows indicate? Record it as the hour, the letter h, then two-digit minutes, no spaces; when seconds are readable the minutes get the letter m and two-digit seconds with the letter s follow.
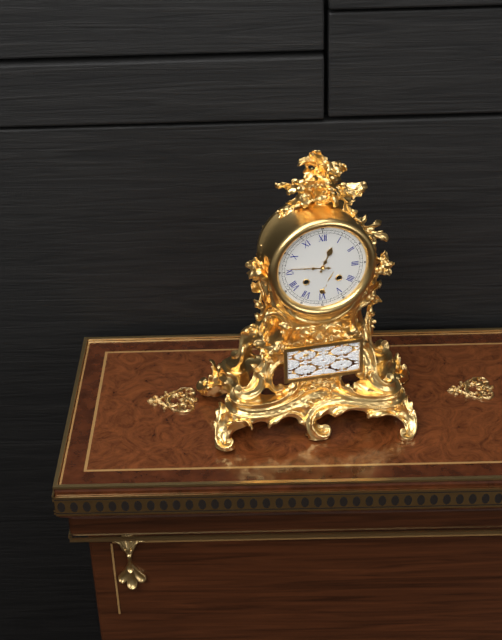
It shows 12h46
